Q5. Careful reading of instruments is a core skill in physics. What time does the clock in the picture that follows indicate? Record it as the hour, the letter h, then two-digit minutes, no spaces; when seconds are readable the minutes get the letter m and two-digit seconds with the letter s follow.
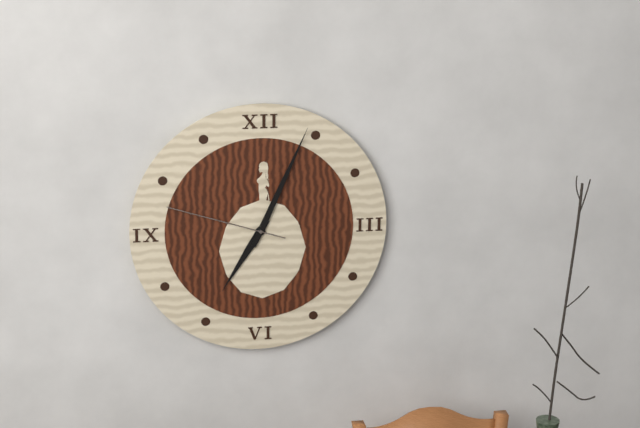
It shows 7h04m48s
